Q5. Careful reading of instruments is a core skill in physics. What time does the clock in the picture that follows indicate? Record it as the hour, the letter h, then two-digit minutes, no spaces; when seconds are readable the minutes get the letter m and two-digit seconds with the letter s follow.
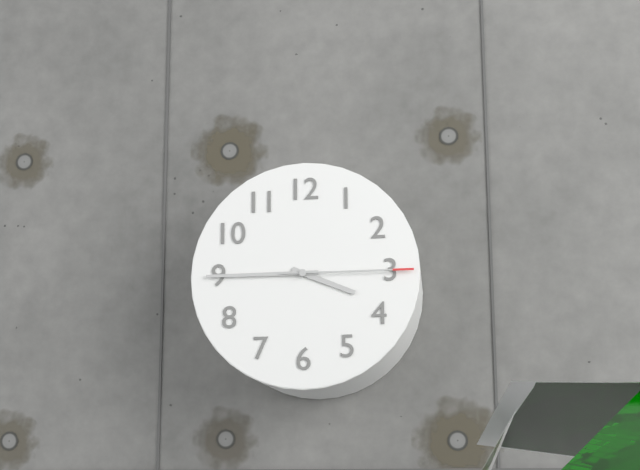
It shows 3h45m15s
